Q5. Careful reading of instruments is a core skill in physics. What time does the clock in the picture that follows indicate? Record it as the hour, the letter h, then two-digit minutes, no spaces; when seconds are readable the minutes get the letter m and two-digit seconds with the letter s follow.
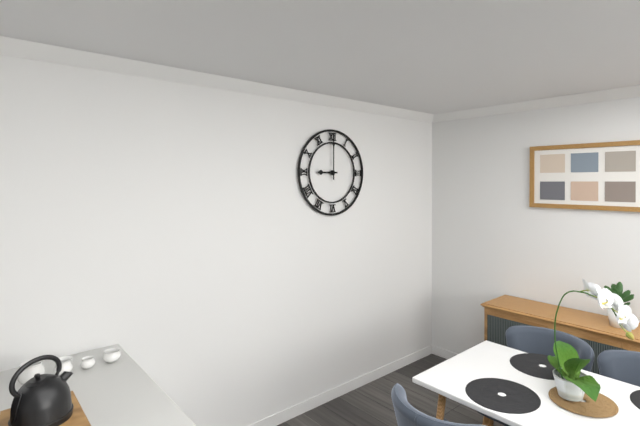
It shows 9h00
